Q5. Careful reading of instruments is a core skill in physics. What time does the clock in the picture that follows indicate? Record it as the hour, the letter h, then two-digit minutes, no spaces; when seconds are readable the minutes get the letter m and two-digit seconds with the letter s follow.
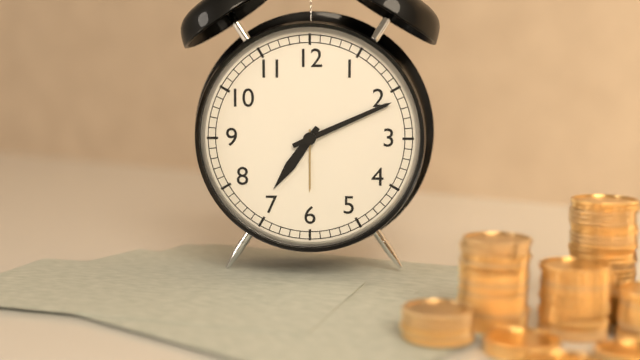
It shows 7h11
